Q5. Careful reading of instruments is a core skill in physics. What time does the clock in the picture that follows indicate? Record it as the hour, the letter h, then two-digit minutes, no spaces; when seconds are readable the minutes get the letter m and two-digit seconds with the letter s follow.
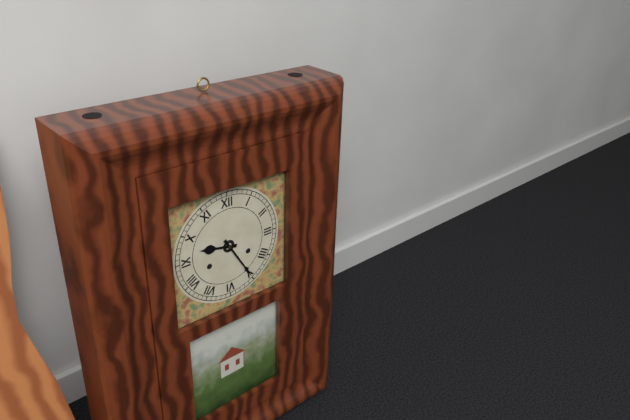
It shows 9h25
